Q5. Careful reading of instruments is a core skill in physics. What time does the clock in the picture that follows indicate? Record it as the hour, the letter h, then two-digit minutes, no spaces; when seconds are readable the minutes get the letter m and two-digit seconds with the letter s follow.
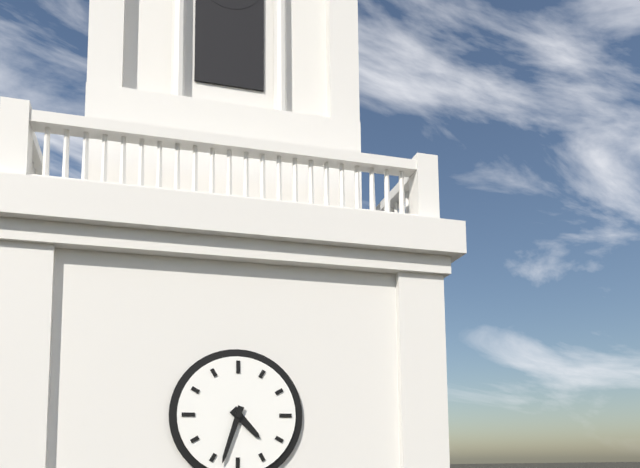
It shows 4h33
